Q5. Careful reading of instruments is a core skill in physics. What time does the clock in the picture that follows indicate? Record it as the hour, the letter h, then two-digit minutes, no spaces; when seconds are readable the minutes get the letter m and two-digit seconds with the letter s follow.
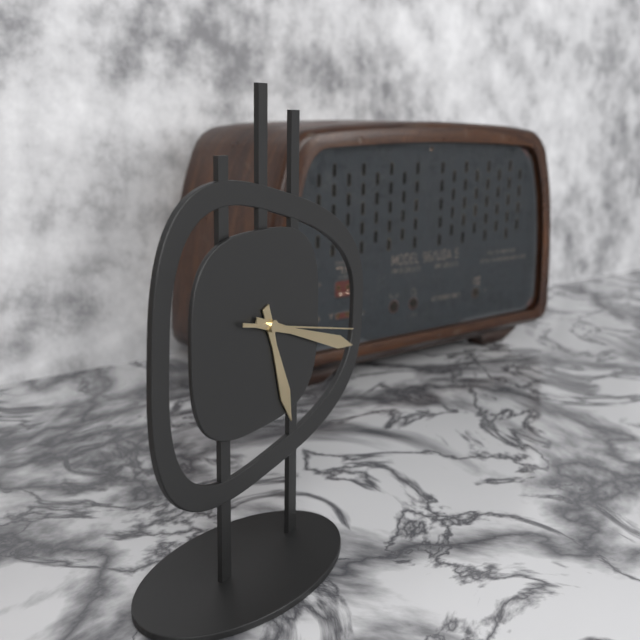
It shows 5h18m17s
